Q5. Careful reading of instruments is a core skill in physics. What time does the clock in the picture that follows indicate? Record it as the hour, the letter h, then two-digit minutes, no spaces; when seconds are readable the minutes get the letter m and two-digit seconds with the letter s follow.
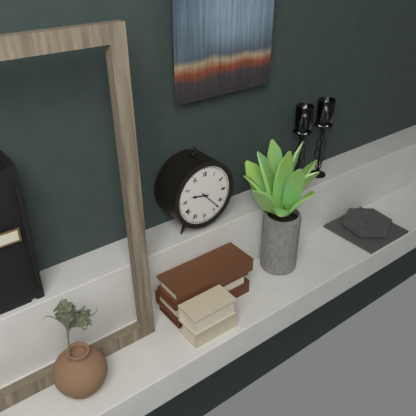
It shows 9h23
